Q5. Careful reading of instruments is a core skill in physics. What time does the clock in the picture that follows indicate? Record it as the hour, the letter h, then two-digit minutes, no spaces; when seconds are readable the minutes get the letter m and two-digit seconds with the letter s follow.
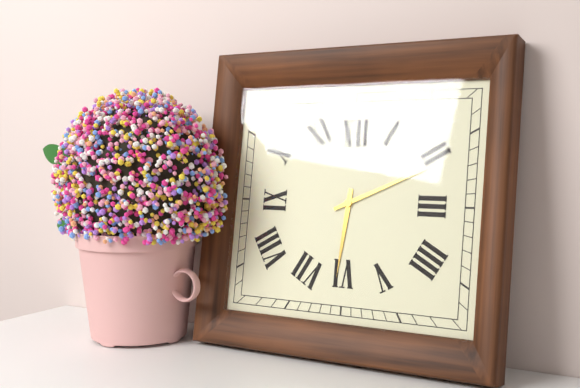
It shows 6h11
